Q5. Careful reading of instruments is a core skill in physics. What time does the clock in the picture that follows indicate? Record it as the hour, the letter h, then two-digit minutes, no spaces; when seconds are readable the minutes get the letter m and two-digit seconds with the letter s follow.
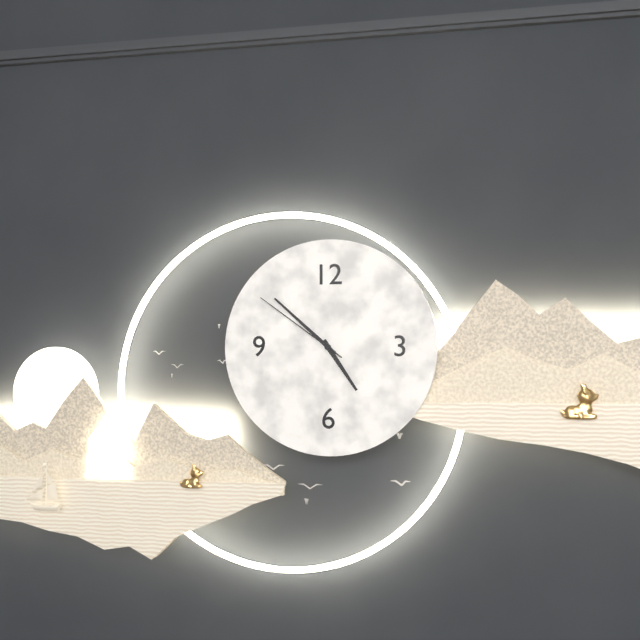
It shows 4h52m51s
